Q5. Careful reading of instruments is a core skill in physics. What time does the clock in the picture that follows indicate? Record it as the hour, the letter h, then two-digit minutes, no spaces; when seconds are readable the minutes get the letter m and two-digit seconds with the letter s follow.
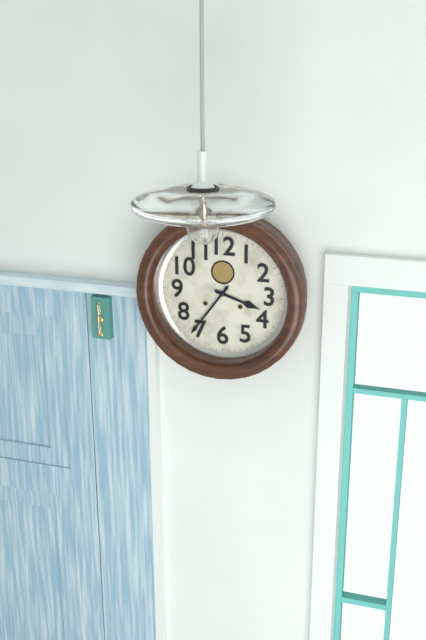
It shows 3h36
